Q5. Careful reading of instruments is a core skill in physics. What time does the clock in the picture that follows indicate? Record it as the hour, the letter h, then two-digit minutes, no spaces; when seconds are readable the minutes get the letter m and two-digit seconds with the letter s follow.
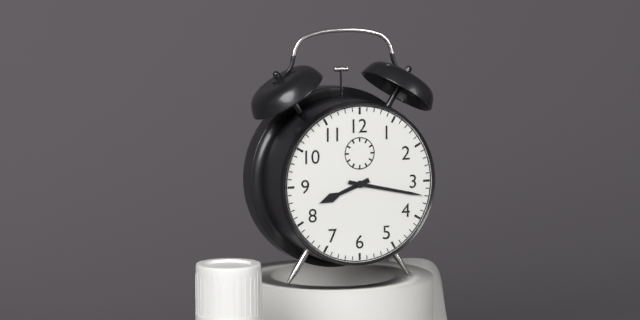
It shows 8h17
